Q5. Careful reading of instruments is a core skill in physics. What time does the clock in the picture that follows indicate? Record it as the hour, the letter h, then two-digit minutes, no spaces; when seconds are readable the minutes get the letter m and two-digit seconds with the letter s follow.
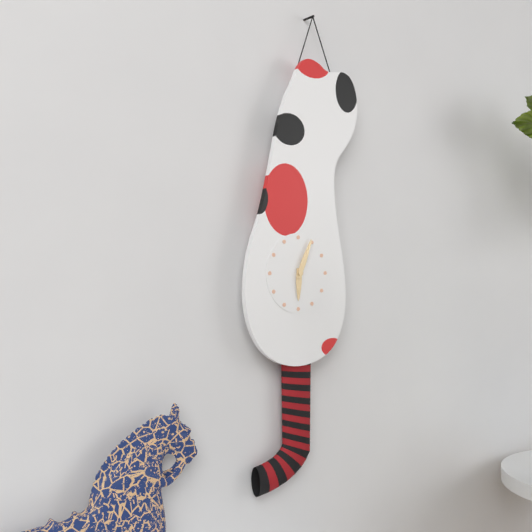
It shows 6h04
